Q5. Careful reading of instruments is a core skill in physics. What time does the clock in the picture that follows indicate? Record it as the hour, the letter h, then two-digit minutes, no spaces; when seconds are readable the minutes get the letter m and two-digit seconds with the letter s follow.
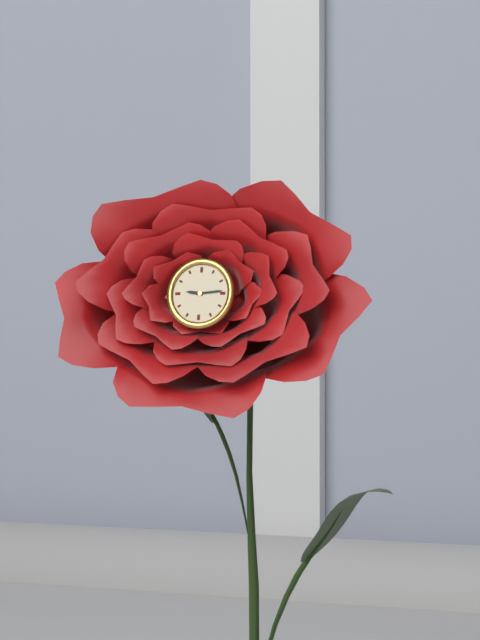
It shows 9h14
